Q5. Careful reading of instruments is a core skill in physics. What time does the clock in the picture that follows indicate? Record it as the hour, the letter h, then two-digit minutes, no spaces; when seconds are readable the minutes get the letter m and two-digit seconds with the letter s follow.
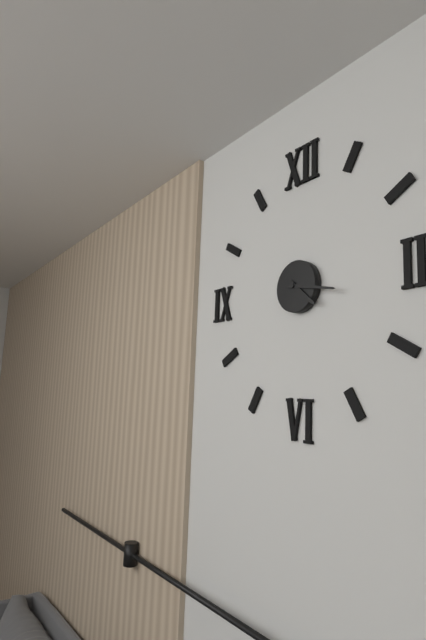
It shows 4h17
